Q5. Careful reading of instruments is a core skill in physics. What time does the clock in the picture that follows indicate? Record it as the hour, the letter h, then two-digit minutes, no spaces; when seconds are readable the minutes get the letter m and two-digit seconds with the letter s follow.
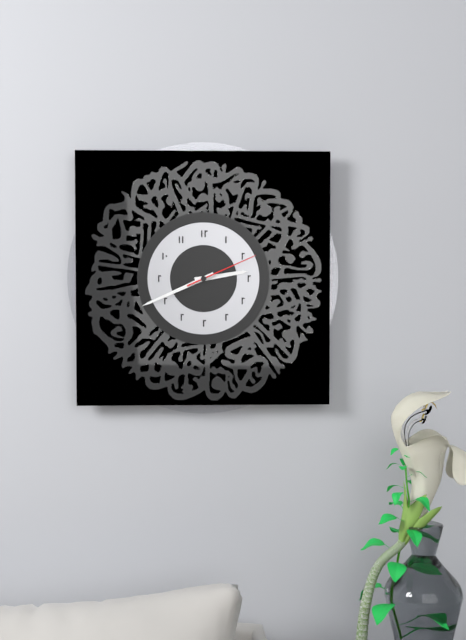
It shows 2h41m11s
